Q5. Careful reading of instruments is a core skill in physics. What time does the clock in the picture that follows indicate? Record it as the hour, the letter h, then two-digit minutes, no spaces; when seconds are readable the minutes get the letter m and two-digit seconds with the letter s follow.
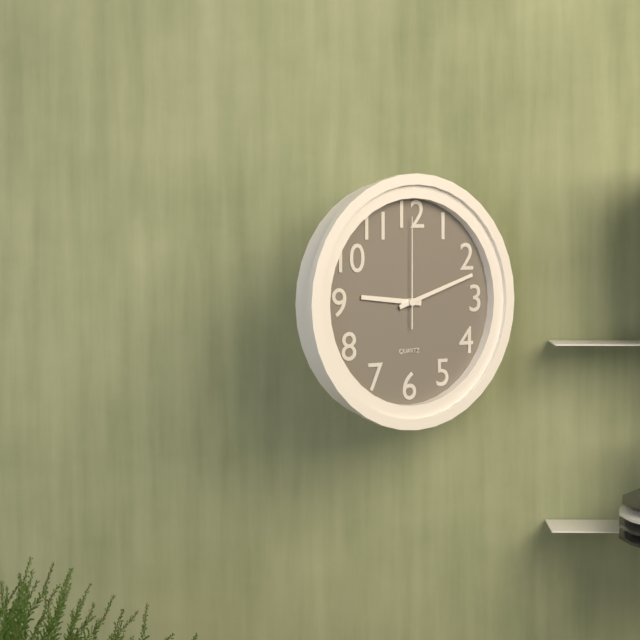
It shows 9h12m00s
